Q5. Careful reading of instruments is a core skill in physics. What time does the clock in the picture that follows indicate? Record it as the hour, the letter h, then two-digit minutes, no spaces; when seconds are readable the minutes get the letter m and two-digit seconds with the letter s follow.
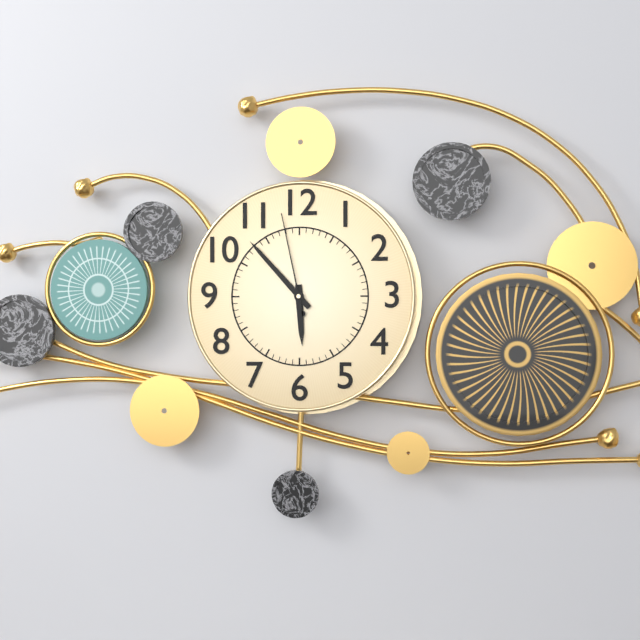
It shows 5h53m58s
